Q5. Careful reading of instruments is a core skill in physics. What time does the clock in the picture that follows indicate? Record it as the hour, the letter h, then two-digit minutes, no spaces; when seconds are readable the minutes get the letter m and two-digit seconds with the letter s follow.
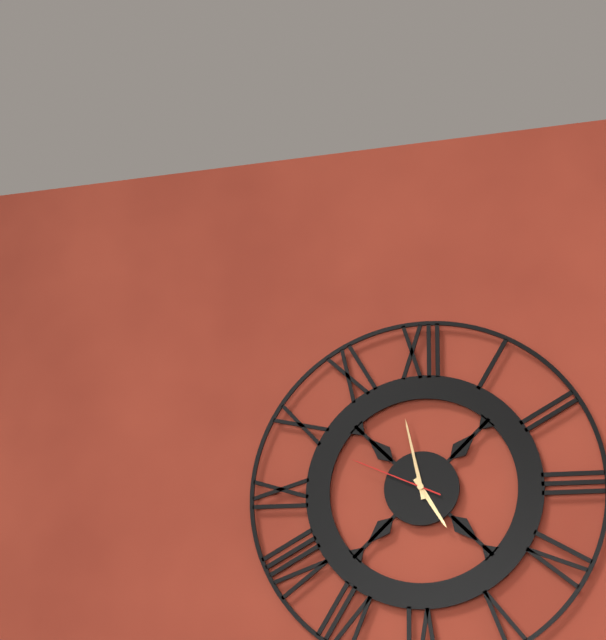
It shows 4h58m49s
